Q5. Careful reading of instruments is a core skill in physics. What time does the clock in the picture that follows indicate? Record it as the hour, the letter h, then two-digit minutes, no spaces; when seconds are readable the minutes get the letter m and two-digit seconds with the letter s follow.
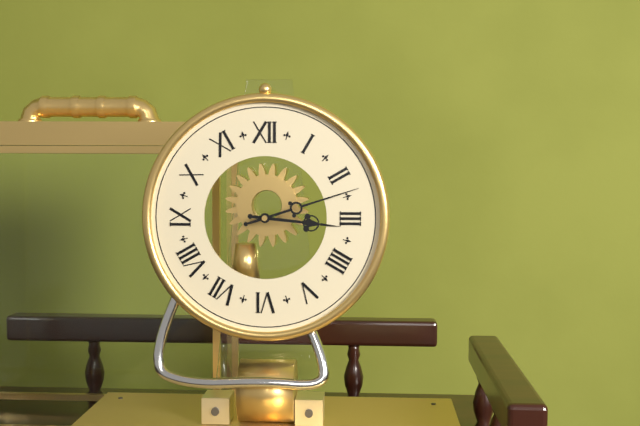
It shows 3h12
